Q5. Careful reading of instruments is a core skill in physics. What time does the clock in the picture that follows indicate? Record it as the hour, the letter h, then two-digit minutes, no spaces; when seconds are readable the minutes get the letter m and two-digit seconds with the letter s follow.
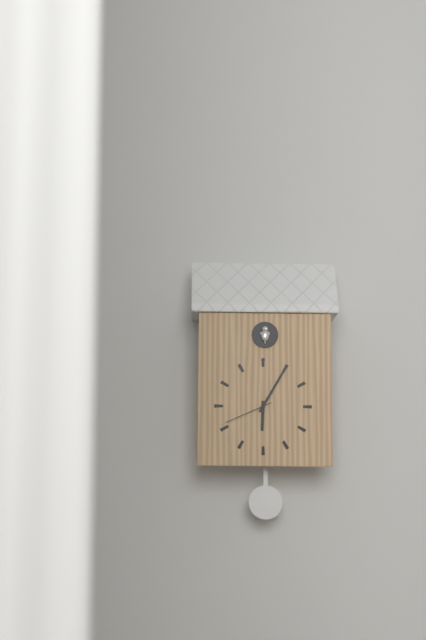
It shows 6h05m41s
